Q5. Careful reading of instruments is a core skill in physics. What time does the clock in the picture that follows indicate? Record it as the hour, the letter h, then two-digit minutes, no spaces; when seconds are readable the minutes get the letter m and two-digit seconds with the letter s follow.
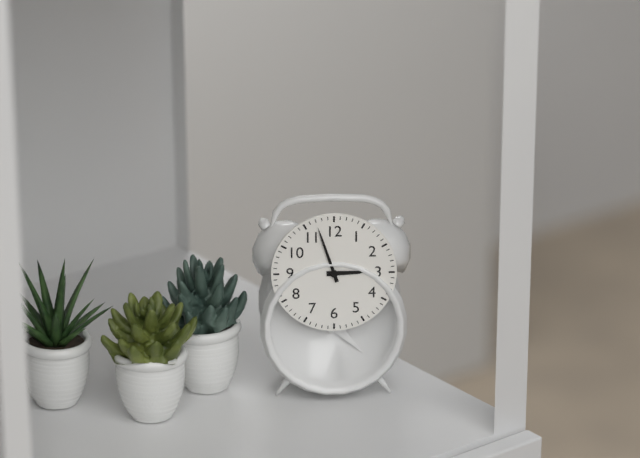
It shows 2h57
